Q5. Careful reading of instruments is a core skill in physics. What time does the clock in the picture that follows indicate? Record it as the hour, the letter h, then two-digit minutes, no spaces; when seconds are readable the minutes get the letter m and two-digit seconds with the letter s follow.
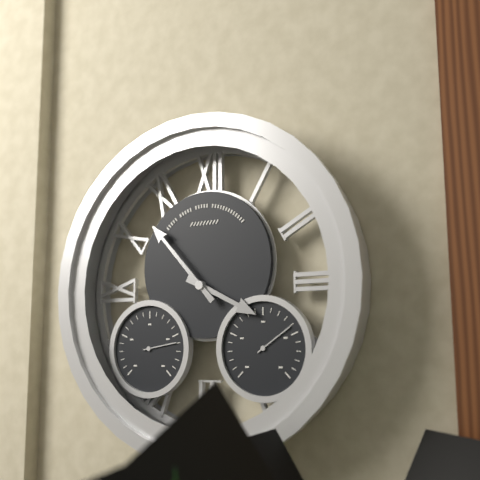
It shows 3h53
